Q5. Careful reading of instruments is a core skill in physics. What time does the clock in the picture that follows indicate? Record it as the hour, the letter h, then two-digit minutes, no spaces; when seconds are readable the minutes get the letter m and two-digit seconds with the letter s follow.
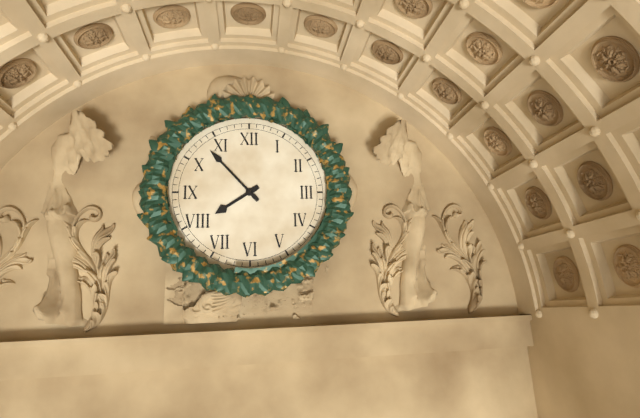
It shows 7h53
